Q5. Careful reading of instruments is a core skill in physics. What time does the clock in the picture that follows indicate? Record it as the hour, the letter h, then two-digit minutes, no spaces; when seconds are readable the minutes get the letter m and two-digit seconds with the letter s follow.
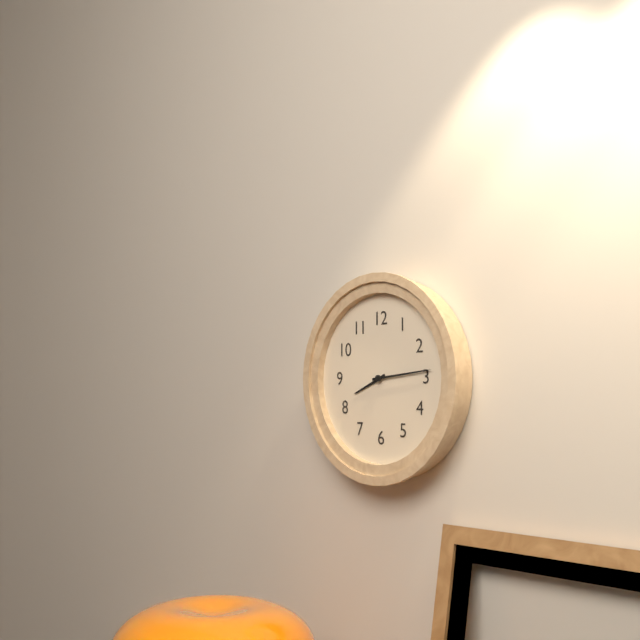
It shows 8h14
